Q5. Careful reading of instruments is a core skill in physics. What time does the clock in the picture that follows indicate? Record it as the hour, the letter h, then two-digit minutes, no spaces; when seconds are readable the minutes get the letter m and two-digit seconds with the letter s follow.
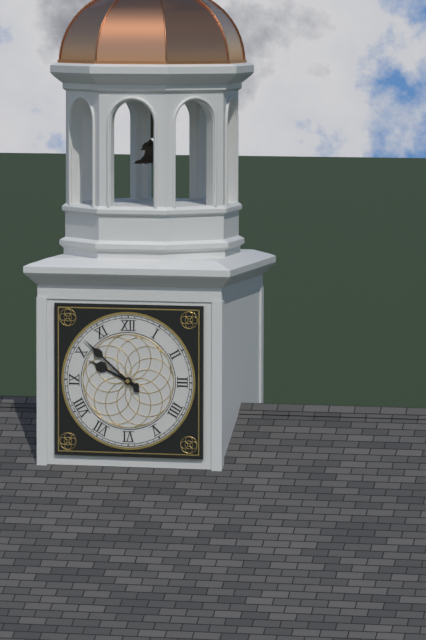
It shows 9h52
